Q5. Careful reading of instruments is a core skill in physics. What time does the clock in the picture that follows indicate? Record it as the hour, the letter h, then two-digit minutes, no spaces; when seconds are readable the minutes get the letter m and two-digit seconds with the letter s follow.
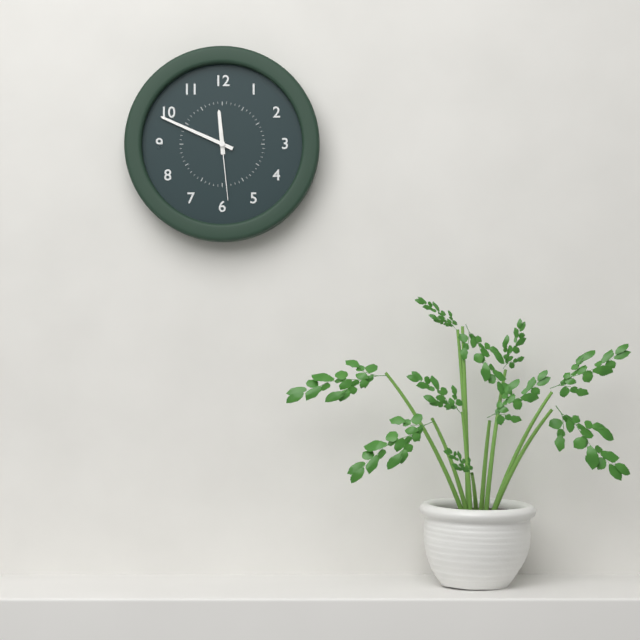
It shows 11h49m29s
